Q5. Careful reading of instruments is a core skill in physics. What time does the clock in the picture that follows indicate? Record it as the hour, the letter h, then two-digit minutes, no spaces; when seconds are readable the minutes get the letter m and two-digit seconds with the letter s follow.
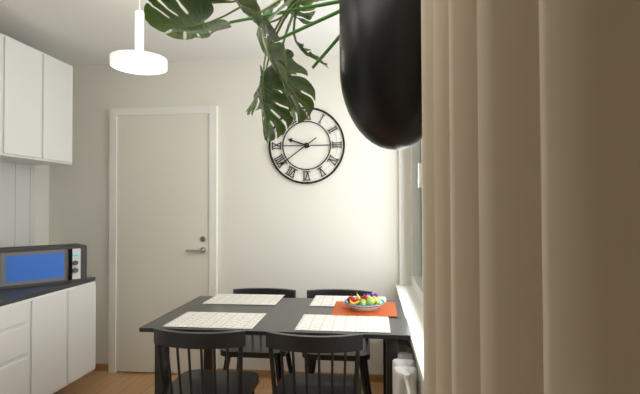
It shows 9h39
